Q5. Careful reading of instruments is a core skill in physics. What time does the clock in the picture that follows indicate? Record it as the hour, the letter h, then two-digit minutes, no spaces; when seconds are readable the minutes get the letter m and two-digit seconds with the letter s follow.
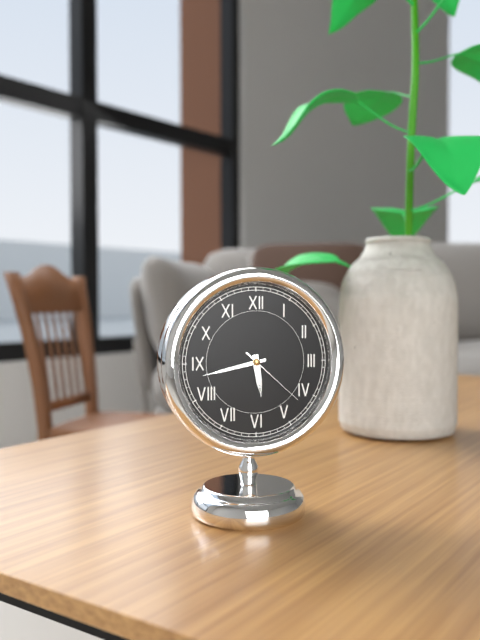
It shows 5h43m22s
